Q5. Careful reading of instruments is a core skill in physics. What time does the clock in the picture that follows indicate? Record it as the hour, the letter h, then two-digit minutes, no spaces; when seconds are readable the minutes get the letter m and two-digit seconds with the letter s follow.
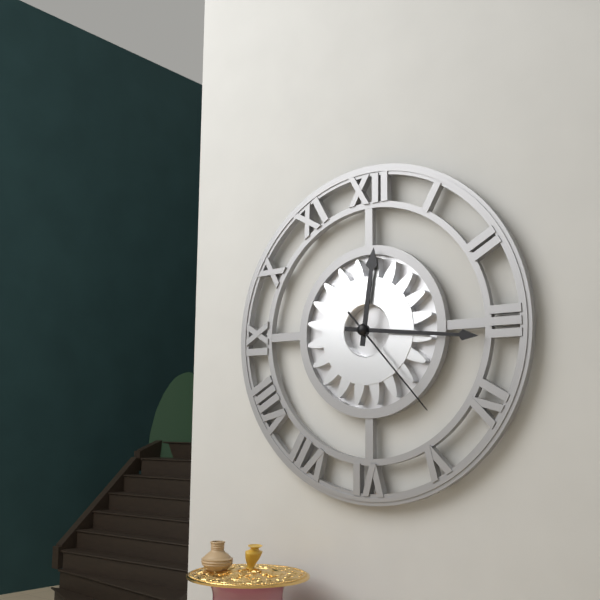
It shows 12h16m23s
